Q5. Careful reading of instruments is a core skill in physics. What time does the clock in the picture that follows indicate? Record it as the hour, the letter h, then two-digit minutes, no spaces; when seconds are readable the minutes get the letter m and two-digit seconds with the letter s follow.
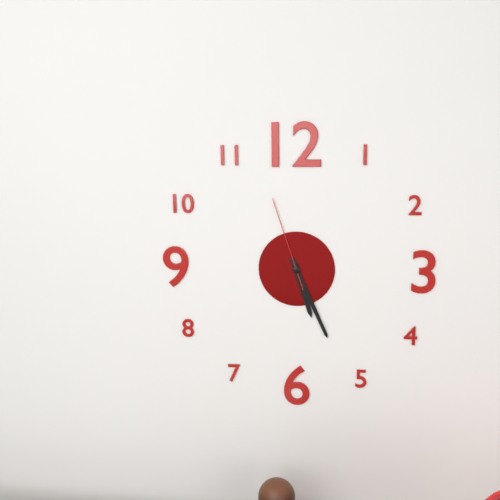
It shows 5h26m57s
